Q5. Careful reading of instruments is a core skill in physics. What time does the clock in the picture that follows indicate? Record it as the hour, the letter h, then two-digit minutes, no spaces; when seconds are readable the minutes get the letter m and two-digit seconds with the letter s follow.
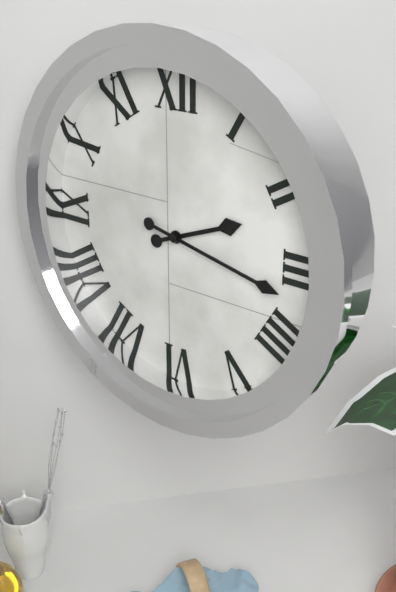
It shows 2h17
